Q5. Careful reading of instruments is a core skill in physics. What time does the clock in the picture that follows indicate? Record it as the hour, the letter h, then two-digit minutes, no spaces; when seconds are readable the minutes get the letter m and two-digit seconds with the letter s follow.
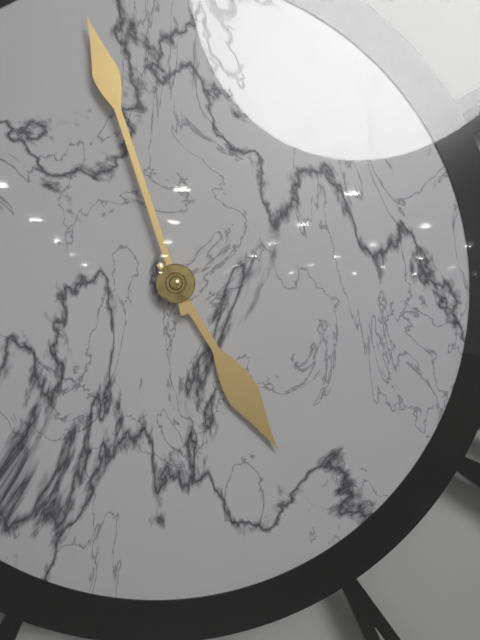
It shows 4h57
